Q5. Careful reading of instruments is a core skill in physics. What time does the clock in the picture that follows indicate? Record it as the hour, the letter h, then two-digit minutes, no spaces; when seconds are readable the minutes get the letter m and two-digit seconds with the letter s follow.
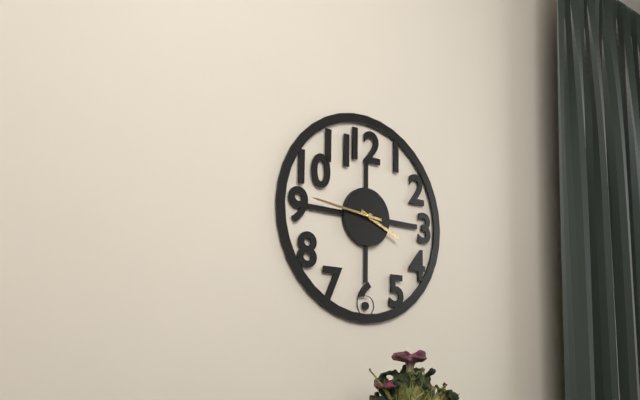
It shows 3h46
